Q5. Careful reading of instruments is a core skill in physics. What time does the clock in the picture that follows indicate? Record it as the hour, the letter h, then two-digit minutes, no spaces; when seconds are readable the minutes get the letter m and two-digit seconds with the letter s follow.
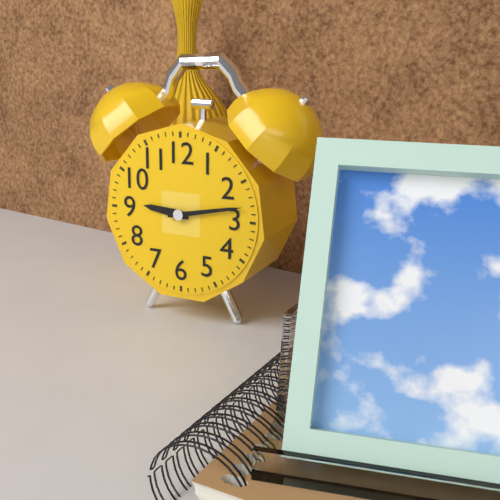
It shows 9h13
